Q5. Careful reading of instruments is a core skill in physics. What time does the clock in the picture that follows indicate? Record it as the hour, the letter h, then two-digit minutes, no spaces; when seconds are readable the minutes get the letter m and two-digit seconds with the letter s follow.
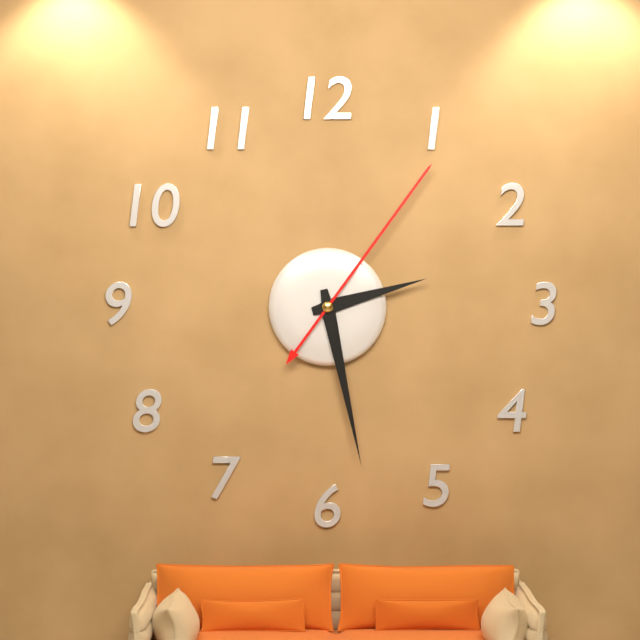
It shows 2h28m06s
